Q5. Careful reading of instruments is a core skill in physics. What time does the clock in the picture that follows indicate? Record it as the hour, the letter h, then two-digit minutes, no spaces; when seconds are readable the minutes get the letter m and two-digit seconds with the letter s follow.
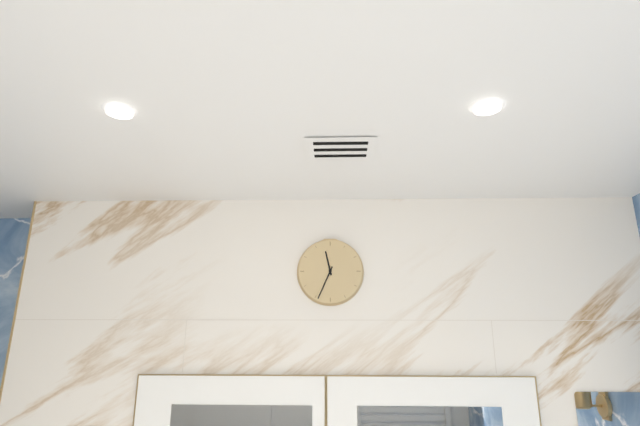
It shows 11h34
